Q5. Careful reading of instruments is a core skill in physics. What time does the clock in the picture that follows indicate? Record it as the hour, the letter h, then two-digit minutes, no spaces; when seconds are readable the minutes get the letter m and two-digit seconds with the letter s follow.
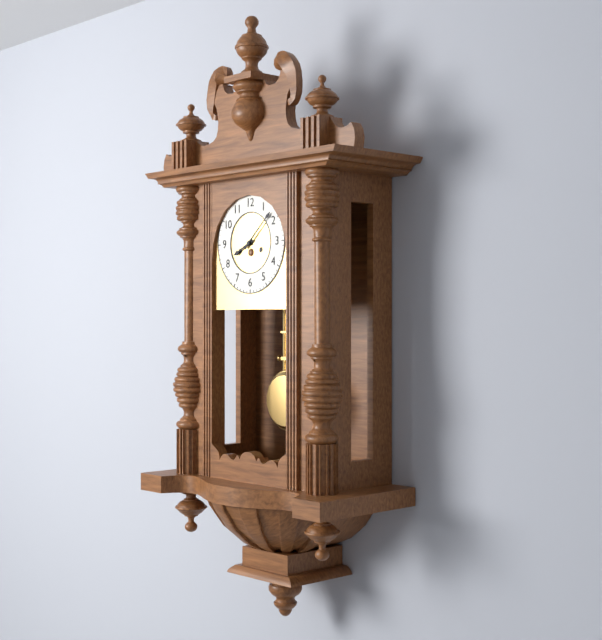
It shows 8h08
